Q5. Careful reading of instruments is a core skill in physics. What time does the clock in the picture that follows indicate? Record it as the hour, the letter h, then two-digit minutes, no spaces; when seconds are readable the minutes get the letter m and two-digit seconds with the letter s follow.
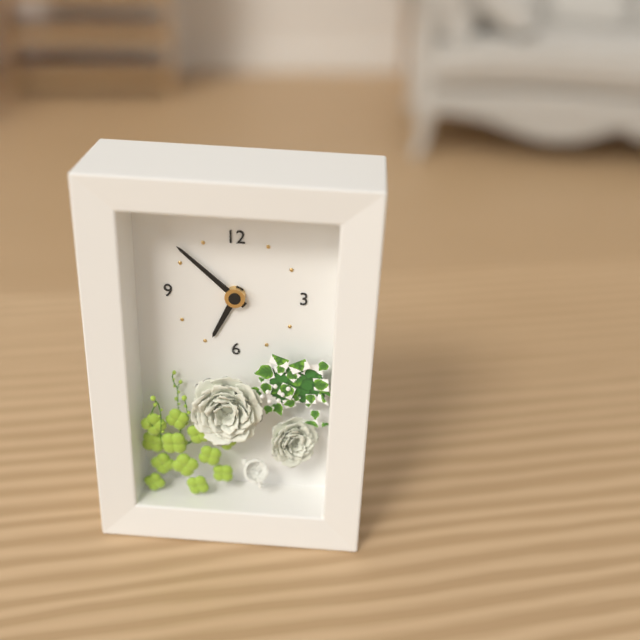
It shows 6h52
